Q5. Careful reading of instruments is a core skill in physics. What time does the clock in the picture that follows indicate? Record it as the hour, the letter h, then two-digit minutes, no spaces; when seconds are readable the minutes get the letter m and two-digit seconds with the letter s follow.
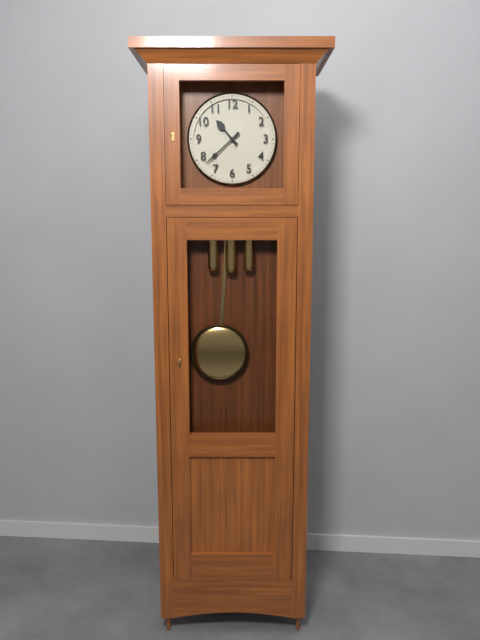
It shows 10h38
